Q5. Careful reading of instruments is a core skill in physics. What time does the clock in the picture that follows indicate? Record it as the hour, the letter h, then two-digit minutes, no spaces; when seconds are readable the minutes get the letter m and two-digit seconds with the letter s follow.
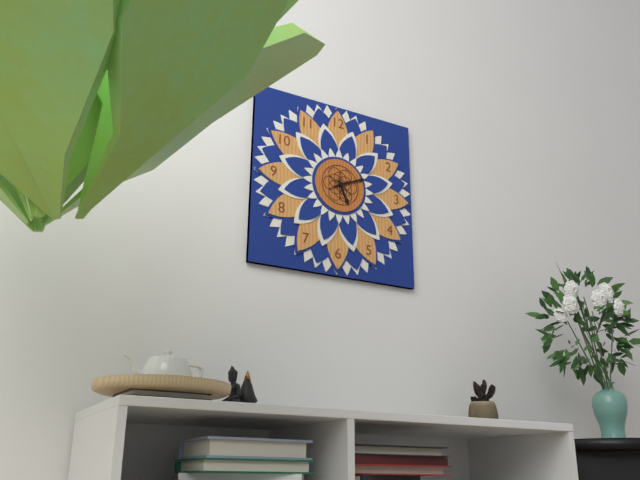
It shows 5h11
